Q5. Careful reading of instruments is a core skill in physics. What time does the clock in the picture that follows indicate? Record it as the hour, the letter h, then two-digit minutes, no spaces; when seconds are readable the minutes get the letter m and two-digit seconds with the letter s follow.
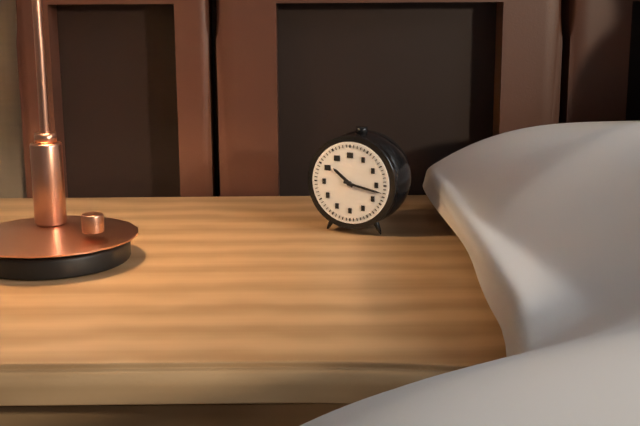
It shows 10h17
